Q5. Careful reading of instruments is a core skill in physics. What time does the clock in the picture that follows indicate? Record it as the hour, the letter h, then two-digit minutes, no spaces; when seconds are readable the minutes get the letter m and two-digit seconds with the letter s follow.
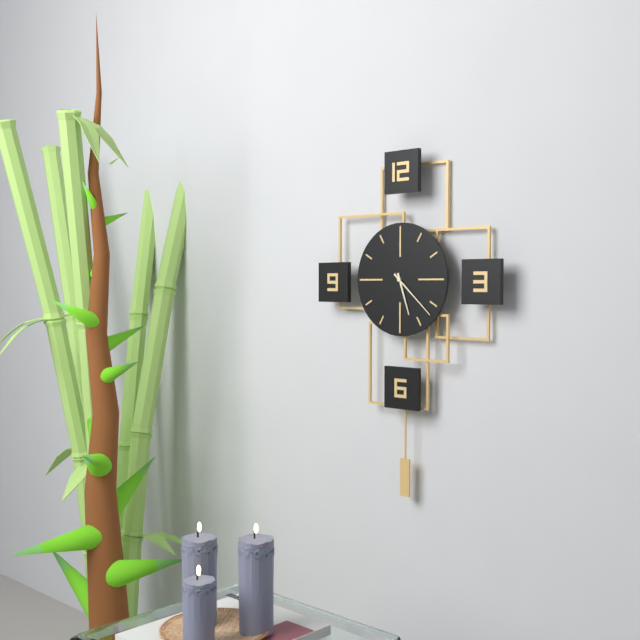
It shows 5h22
